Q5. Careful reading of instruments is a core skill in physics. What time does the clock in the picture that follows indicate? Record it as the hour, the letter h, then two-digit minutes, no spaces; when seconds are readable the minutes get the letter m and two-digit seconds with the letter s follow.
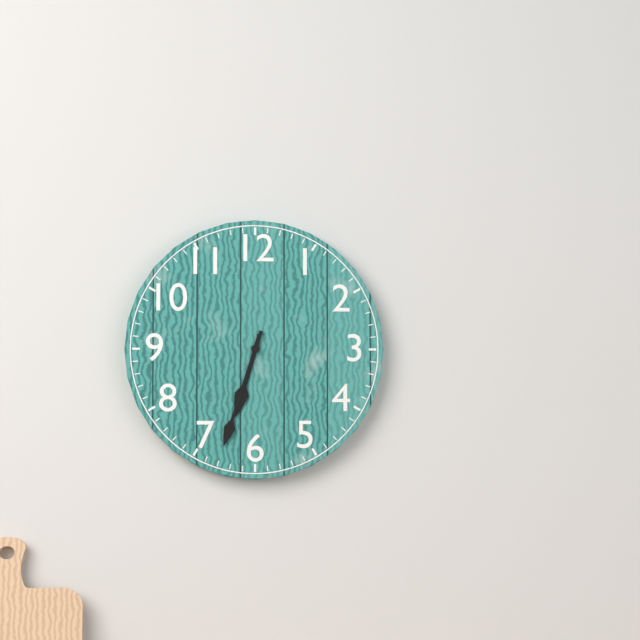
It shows 6h33
